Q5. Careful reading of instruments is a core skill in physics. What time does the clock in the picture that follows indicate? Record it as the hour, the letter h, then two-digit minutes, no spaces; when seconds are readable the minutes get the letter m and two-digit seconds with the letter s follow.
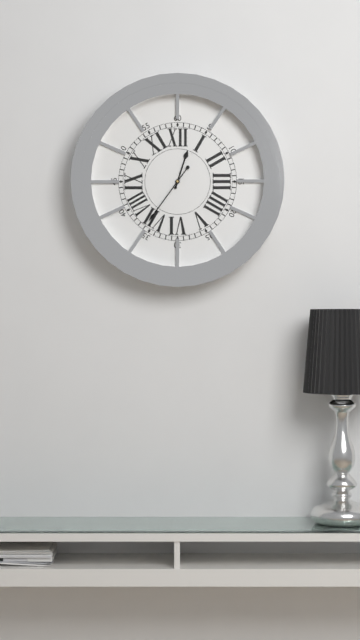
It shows 12h36
